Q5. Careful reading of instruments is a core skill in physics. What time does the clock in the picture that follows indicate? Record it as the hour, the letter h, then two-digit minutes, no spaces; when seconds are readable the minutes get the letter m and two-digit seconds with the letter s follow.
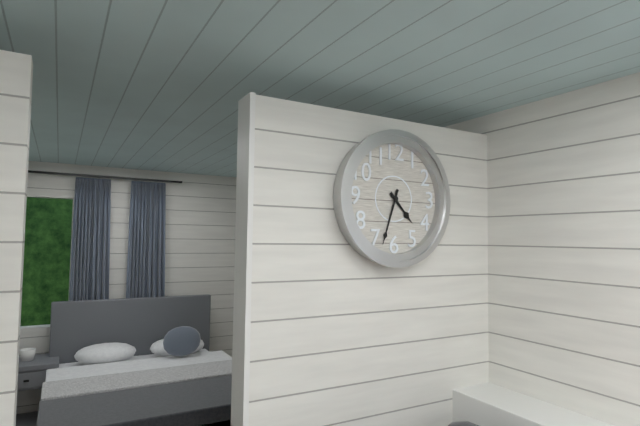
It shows 4h33
